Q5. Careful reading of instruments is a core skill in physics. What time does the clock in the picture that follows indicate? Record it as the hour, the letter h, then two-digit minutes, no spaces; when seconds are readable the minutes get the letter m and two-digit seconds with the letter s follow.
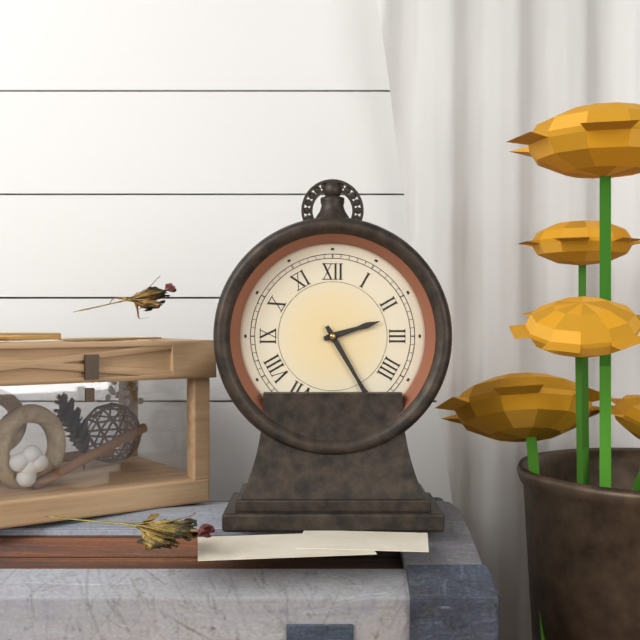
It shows 2h25
